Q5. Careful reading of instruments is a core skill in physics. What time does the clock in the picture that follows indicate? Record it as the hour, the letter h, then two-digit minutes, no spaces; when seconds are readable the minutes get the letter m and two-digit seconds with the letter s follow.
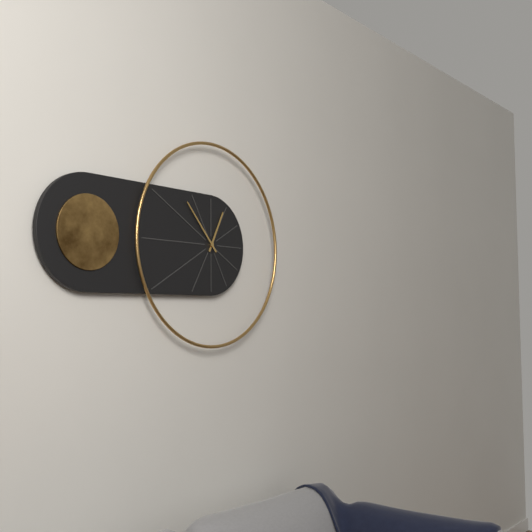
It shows 12h53
